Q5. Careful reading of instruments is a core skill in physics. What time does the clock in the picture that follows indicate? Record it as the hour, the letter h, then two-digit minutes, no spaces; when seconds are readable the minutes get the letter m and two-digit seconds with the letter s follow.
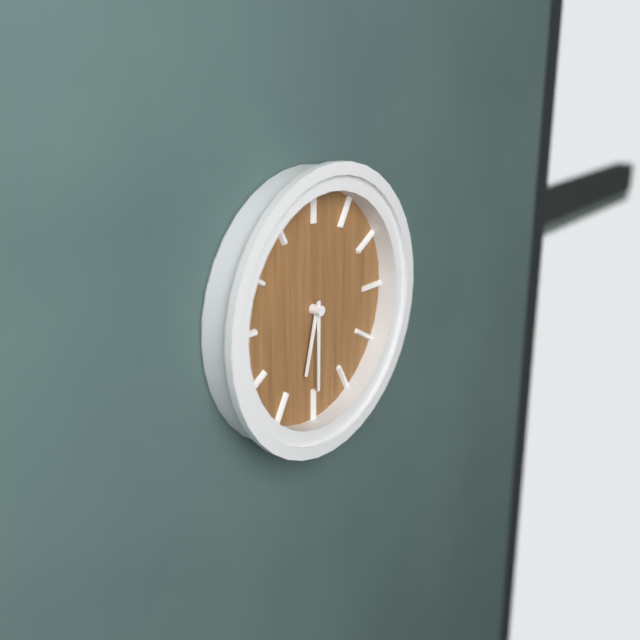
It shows 6h30
